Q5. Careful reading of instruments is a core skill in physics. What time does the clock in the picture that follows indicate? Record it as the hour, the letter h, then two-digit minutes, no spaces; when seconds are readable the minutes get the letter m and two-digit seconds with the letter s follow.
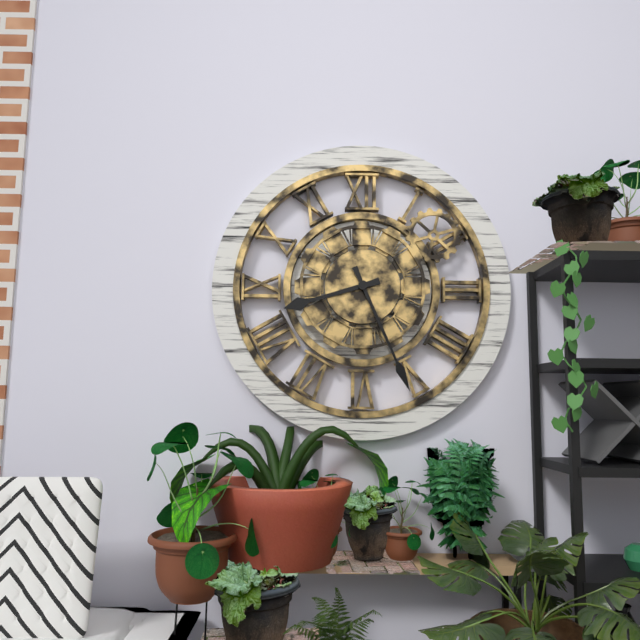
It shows 8h26
